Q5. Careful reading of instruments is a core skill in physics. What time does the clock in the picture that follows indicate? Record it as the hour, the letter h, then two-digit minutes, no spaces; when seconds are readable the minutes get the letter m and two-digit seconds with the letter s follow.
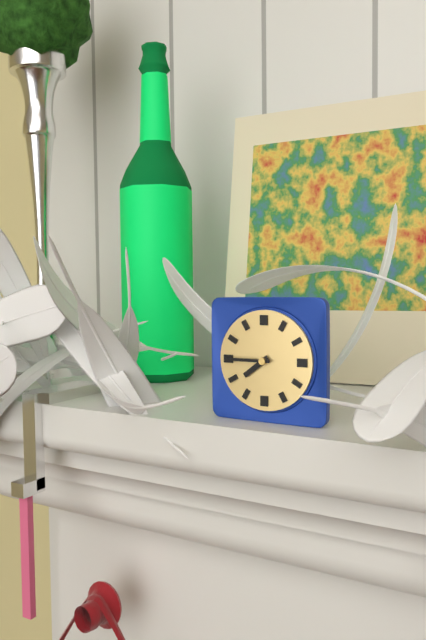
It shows 7h45
